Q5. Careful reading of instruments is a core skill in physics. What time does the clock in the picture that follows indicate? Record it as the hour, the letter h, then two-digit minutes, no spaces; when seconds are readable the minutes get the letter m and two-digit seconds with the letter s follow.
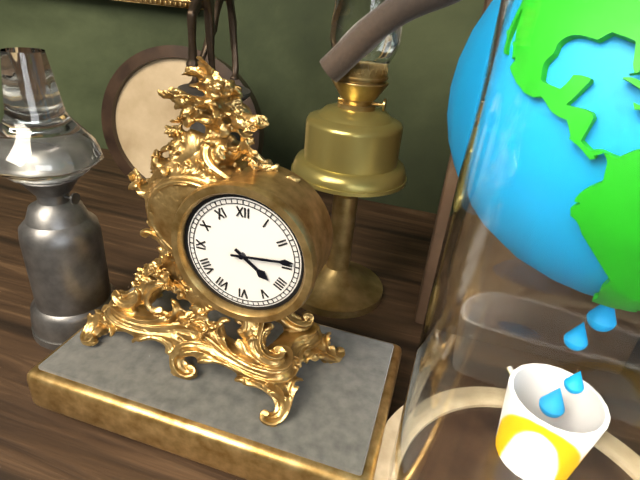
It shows 4h14
